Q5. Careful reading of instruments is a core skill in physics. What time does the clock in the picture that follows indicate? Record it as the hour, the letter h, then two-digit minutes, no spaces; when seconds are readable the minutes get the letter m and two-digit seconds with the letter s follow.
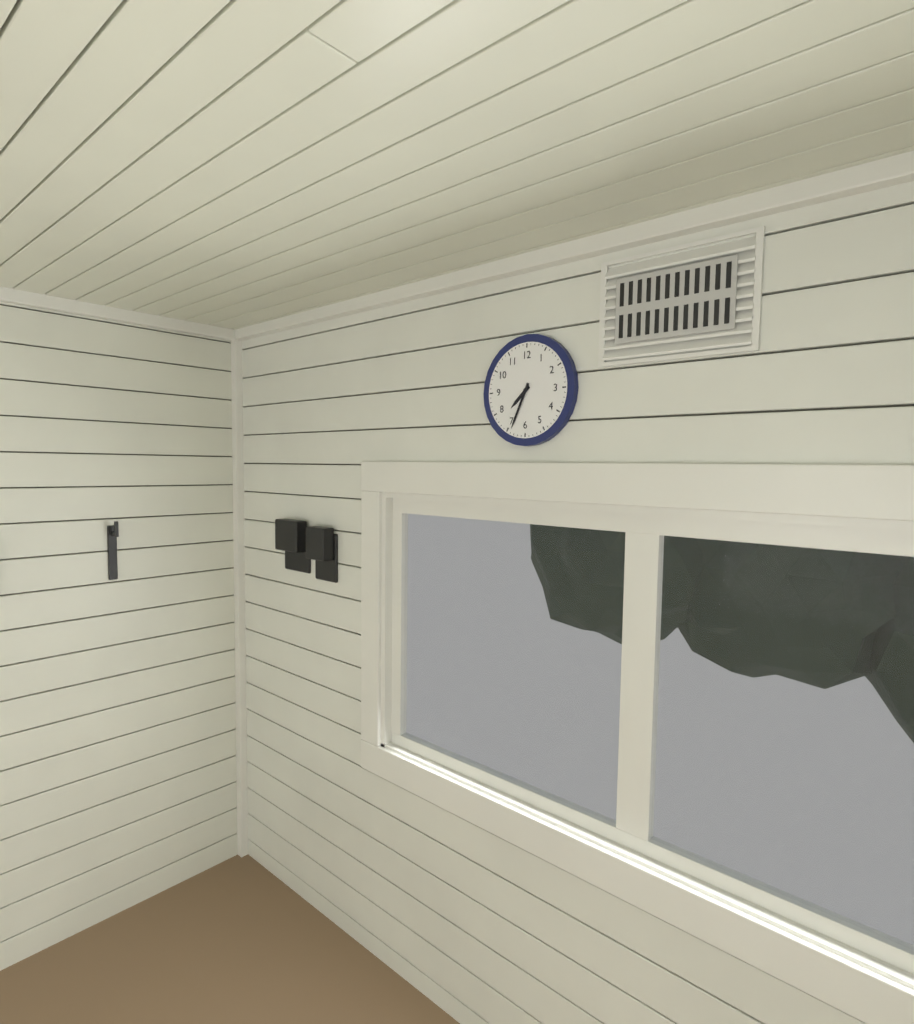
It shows 7h34
